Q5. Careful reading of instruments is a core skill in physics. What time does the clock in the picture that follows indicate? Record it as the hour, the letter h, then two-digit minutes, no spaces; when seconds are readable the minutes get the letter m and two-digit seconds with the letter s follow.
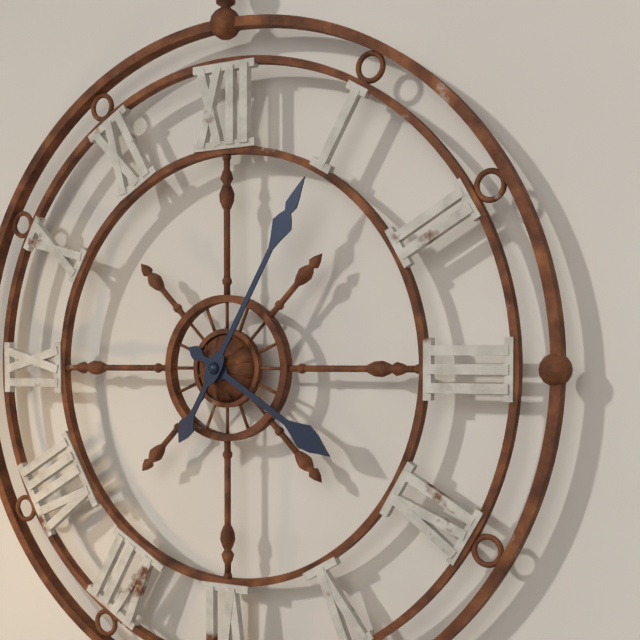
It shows 4h05
